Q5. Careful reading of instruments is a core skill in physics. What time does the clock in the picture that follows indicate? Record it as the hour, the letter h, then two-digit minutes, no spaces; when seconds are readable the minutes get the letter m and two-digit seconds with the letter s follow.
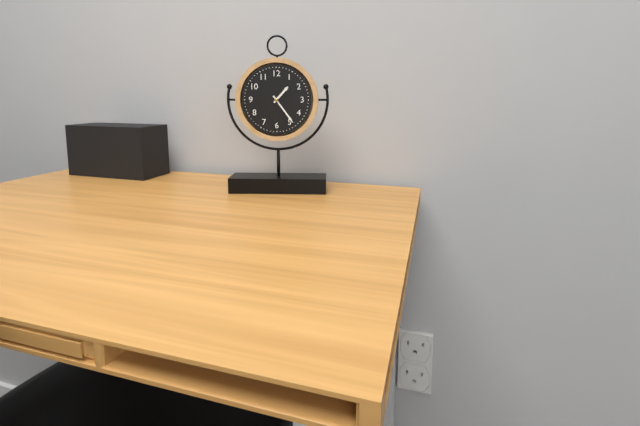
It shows 1h24
